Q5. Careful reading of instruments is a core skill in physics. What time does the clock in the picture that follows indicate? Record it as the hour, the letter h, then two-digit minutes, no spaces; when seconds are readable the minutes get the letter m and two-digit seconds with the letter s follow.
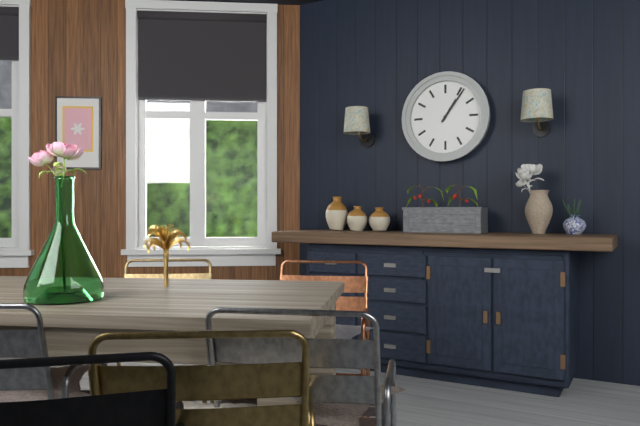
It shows 1h06
